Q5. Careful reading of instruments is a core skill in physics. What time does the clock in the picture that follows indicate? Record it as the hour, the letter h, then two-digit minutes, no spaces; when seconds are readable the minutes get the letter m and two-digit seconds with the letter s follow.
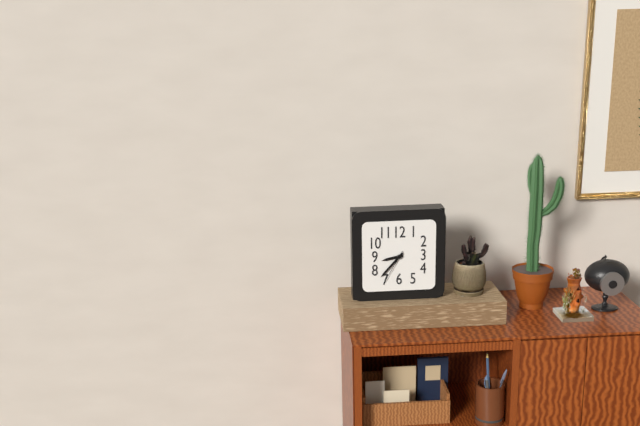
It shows 8h37
